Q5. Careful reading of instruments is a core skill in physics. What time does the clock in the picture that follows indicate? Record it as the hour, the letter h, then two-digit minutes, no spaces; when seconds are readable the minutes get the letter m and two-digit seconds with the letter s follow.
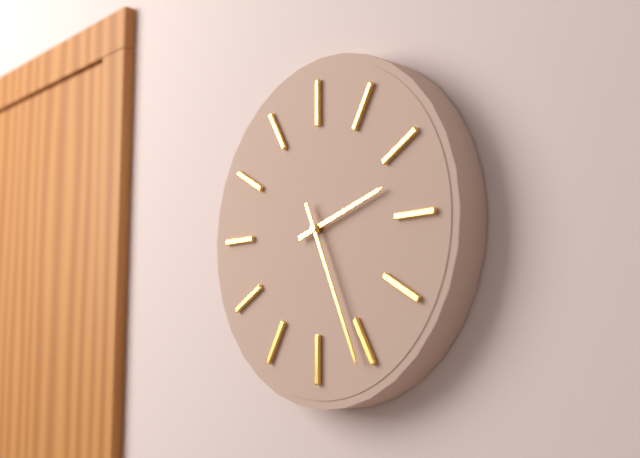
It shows 2h26
